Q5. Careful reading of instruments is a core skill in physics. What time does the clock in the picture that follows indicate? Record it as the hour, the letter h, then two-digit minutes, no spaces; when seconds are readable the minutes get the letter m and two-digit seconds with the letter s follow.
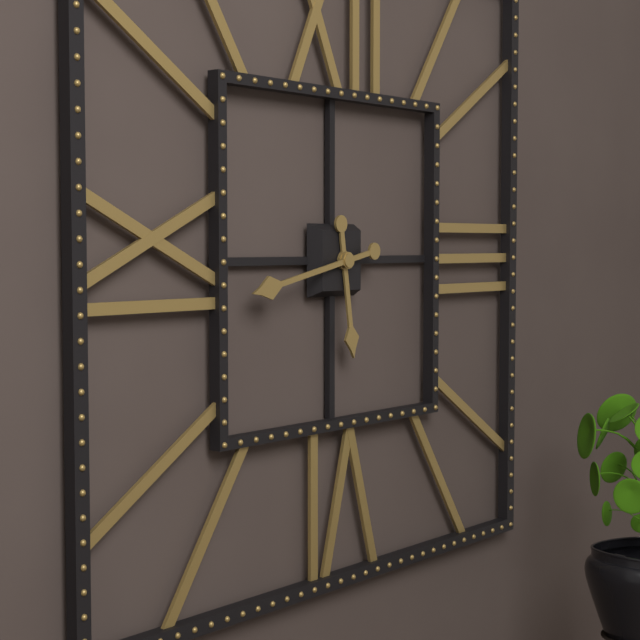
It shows 5h43
